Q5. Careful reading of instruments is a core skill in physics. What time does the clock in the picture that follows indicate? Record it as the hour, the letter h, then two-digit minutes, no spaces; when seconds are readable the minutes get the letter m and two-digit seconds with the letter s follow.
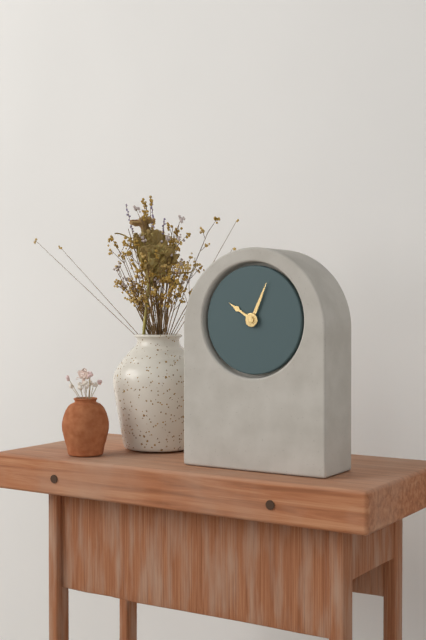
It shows 10h04
